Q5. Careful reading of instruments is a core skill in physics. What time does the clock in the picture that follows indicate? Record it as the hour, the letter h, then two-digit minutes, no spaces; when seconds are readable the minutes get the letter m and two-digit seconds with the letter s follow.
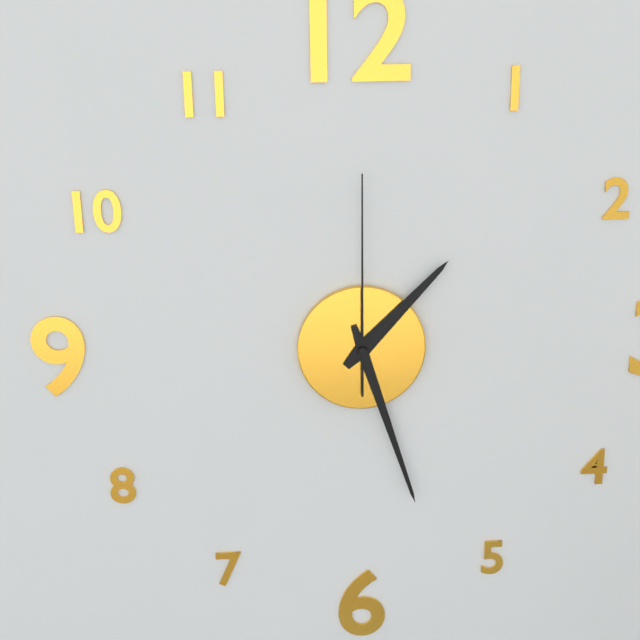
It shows 1h27m00s
